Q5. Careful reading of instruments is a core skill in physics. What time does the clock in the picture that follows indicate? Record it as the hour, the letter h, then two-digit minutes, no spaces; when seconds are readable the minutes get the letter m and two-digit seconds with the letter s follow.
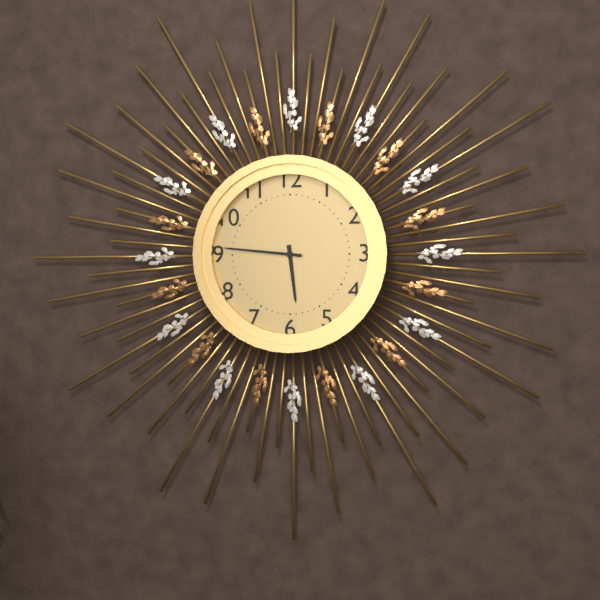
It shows 5h46
